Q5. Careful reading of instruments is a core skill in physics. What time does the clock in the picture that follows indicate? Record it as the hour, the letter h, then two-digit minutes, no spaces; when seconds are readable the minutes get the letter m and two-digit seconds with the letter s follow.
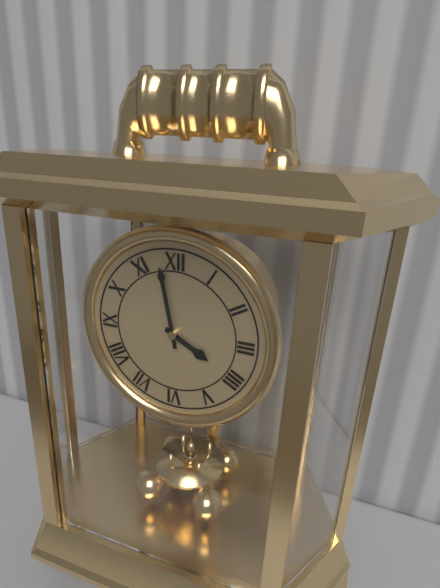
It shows 3h58
